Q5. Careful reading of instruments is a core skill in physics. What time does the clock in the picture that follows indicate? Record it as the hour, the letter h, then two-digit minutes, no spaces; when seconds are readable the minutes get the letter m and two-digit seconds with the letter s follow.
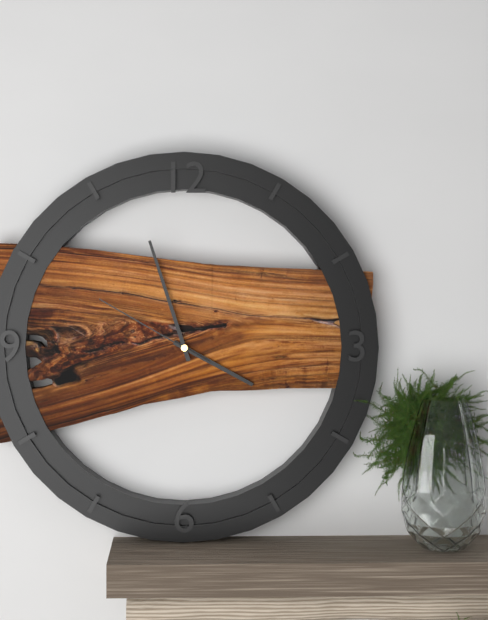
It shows 3h57m50s
